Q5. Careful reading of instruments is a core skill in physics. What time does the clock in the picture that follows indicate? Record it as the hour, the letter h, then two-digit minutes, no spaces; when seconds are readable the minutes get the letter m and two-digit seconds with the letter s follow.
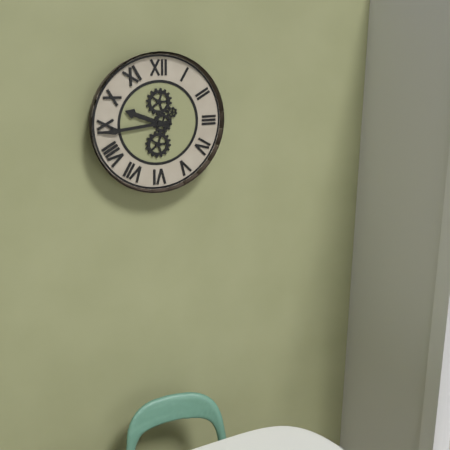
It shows 9h44
